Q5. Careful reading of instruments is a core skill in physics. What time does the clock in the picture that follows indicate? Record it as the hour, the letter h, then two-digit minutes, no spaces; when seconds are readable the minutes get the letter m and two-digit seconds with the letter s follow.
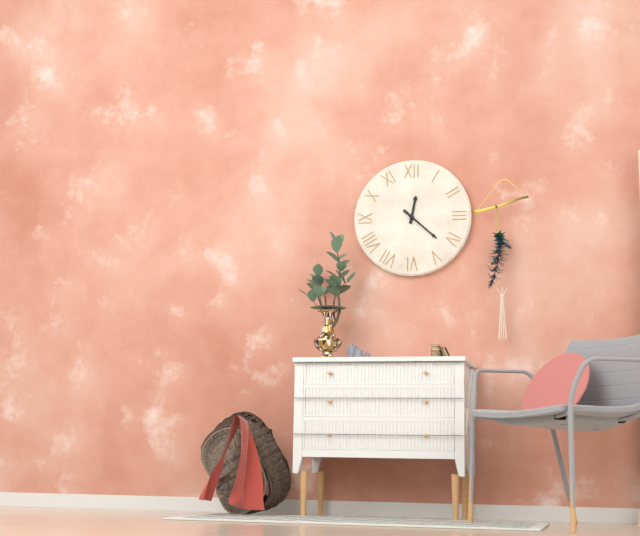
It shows 12h22
